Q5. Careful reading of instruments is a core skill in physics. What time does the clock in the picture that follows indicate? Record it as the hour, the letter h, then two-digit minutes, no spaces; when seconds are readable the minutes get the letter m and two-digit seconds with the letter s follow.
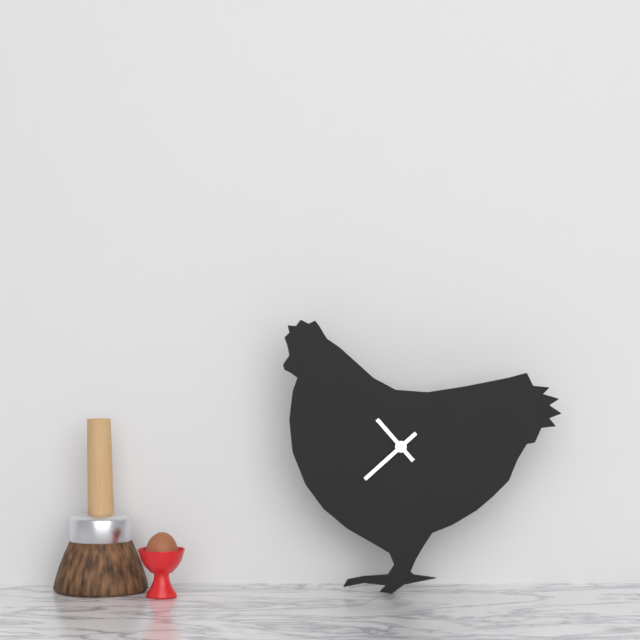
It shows 10h38
